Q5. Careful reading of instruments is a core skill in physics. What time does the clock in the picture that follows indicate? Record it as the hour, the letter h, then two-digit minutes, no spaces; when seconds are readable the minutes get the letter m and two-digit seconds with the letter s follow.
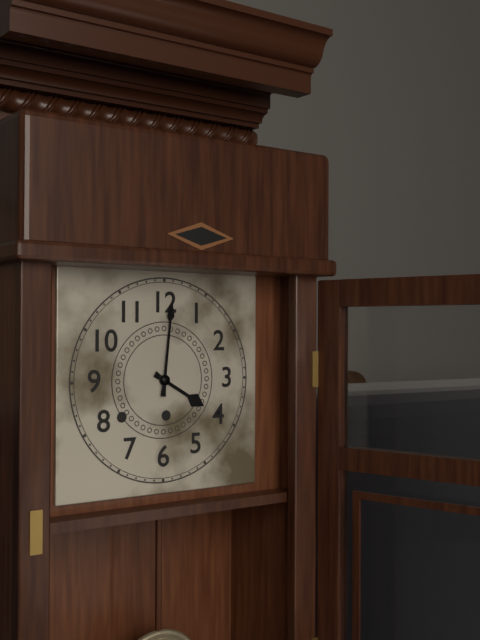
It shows 4h01
